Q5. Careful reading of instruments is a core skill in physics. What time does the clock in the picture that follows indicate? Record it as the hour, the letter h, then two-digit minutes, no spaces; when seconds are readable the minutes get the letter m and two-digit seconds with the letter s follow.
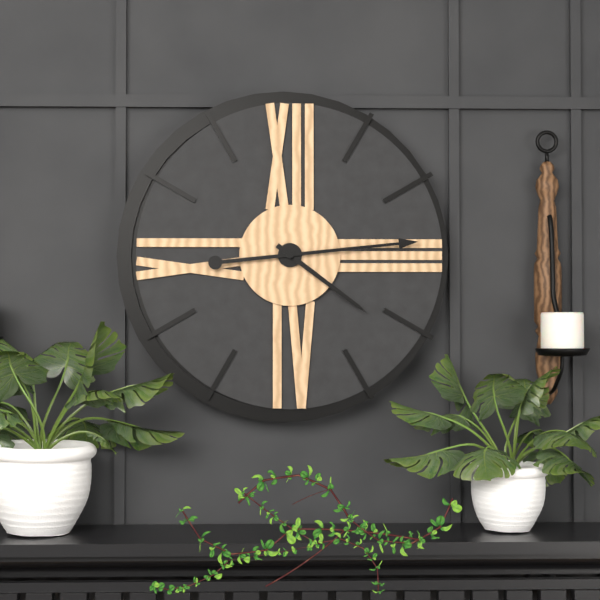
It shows 4h14
